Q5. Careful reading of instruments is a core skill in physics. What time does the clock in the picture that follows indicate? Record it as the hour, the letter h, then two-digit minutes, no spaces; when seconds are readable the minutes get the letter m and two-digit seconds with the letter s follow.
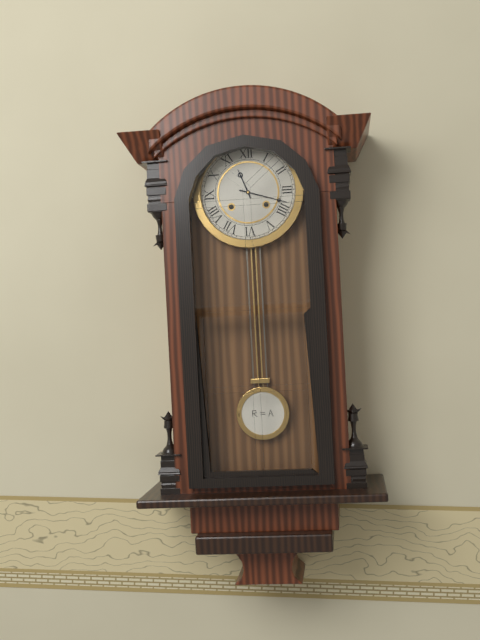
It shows 11h18
